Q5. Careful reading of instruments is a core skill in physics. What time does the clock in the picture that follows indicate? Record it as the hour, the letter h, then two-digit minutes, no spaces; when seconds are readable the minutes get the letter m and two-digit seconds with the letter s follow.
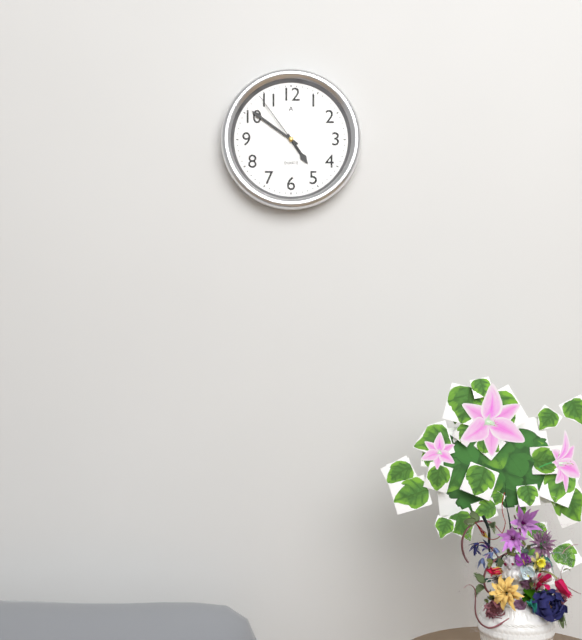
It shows 4h51m54s
